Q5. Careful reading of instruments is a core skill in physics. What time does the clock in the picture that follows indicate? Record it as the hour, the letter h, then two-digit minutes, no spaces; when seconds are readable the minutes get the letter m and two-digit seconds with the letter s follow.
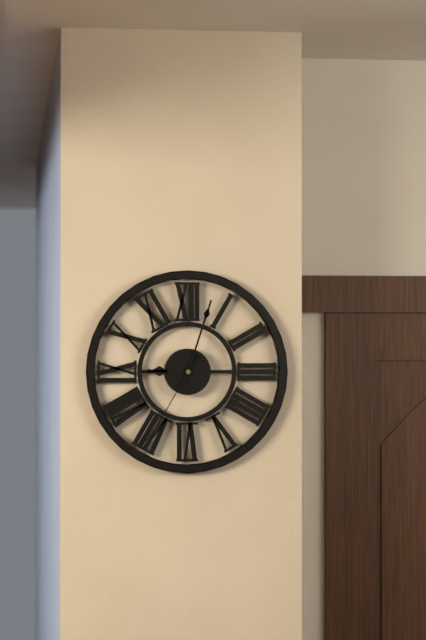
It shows 9h03m35s
